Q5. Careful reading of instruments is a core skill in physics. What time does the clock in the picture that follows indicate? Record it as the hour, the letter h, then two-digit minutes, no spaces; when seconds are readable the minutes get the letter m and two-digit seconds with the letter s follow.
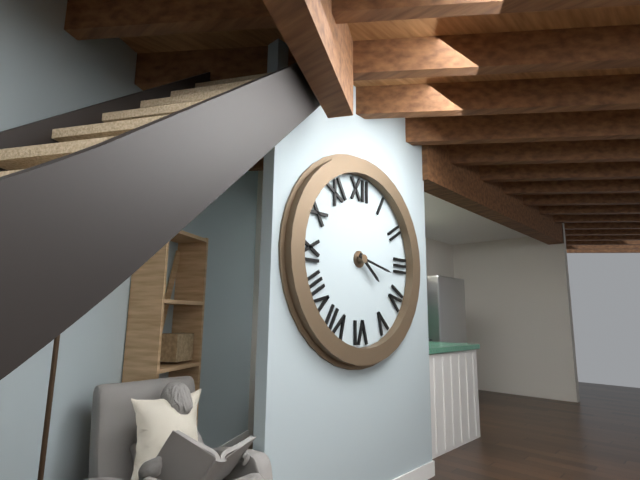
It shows 4h17
